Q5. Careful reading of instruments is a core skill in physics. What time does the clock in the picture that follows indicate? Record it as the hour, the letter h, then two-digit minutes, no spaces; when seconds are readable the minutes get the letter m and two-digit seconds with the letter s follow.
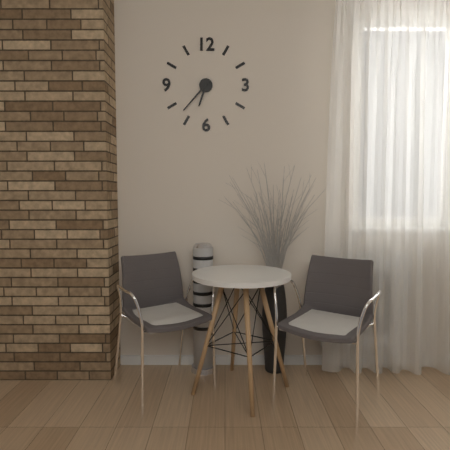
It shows 6h37
